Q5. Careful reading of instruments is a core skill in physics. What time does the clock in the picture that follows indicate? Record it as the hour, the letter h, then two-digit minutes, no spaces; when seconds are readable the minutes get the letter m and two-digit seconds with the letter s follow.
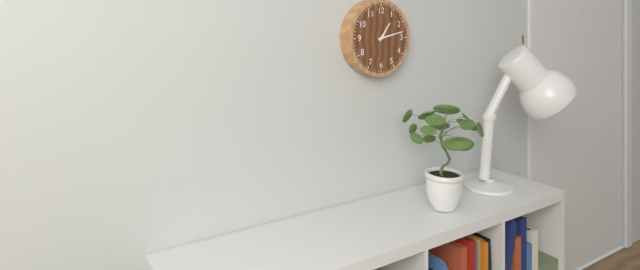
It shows 1h13
